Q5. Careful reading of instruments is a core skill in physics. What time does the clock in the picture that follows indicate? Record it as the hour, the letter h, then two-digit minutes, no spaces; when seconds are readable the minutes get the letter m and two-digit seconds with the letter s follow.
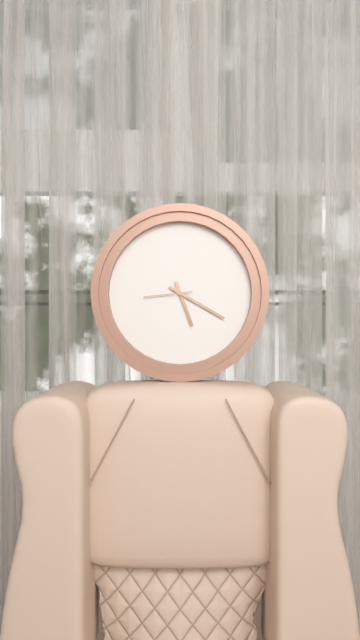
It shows 5h20
